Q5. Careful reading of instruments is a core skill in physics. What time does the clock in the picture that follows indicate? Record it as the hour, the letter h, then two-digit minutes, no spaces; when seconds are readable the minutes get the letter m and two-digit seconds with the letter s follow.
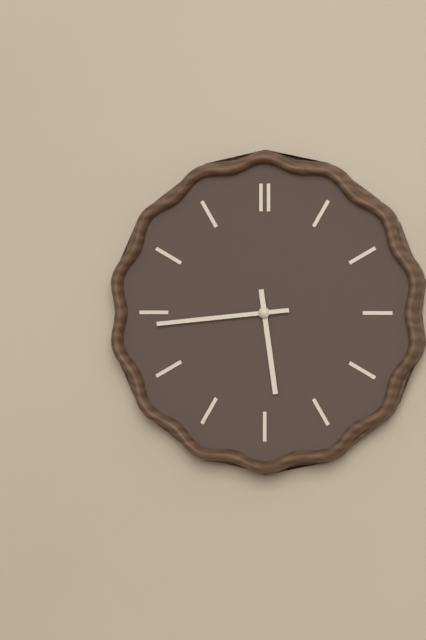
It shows 5h44
